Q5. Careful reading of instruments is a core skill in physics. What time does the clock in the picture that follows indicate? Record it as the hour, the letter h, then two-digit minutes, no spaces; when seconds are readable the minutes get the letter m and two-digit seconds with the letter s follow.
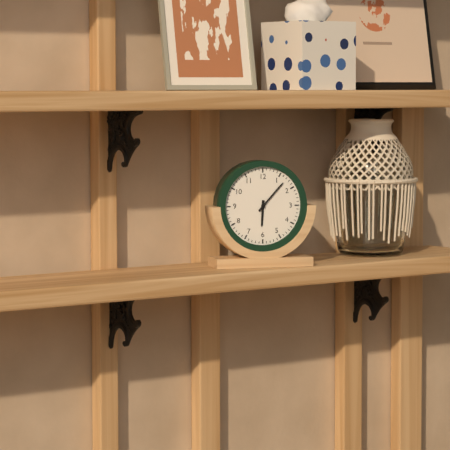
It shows 6h07
